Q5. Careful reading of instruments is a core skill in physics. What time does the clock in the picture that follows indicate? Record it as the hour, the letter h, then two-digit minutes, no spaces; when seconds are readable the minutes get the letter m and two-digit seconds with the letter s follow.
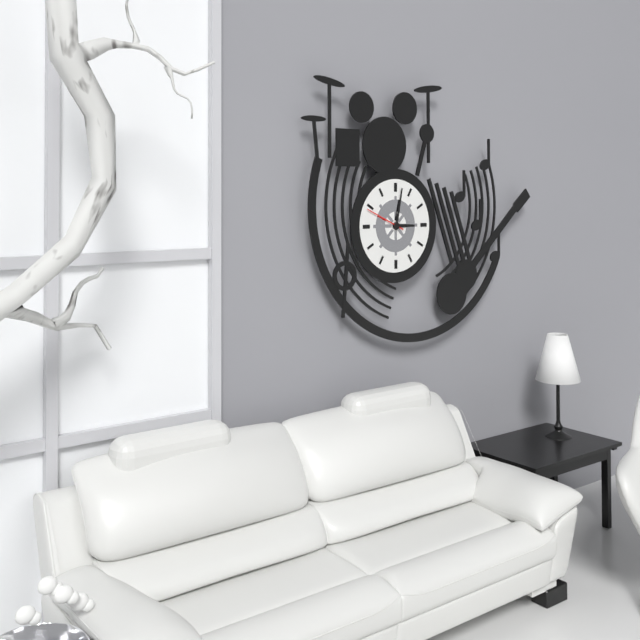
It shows 3h02
